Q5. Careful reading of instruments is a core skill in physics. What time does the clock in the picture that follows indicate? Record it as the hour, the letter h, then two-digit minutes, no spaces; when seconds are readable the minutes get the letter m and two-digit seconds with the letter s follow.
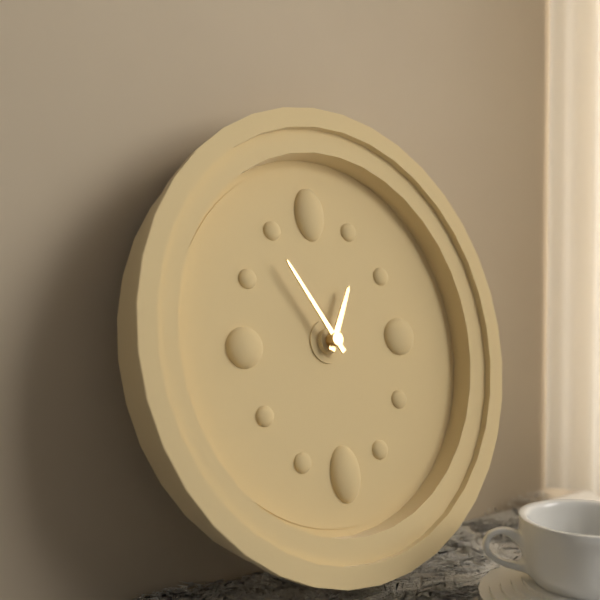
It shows 12h55
